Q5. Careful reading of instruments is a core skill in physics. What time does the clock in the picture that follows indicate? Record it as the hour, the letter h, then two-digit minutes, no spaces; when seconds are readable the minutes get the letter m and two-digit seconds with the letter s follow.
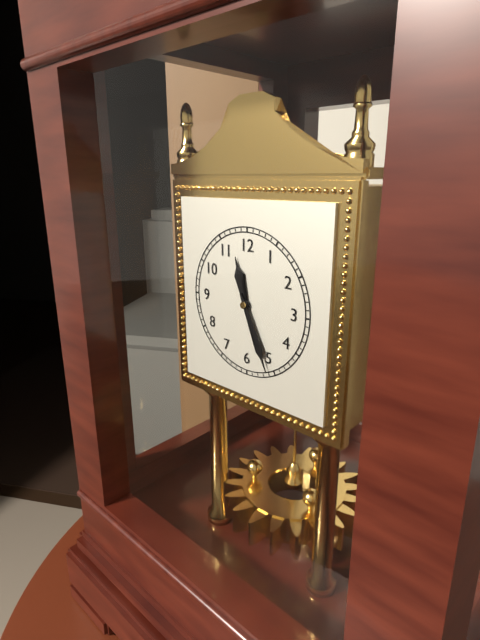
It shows 11h26
